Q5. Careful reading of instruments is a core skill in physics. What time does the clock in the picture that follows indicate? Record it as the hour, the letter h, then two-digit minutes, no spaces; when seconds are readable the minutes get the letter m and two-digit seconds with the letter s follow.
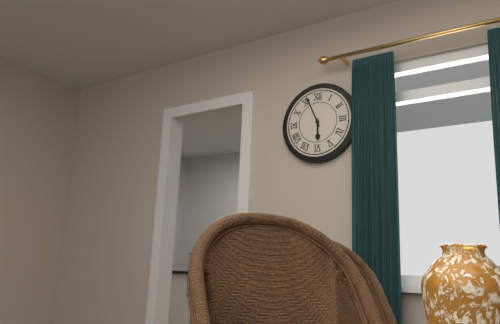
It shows 5h56
